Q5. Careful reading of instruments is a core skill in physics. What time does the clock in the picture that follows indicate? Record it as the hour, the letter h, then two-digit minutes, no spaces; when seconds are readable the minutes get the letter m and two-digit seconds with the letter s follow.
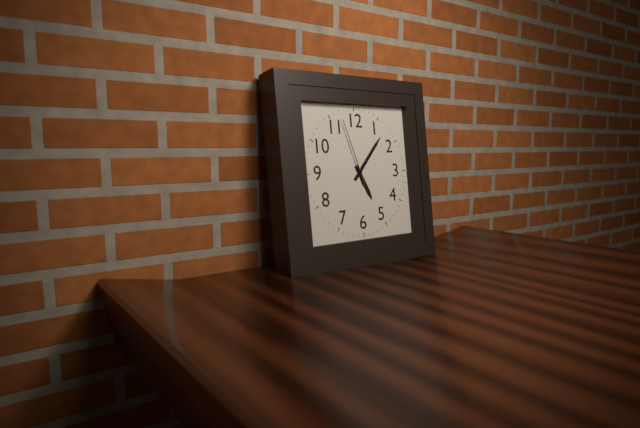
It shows 5h07m57s
